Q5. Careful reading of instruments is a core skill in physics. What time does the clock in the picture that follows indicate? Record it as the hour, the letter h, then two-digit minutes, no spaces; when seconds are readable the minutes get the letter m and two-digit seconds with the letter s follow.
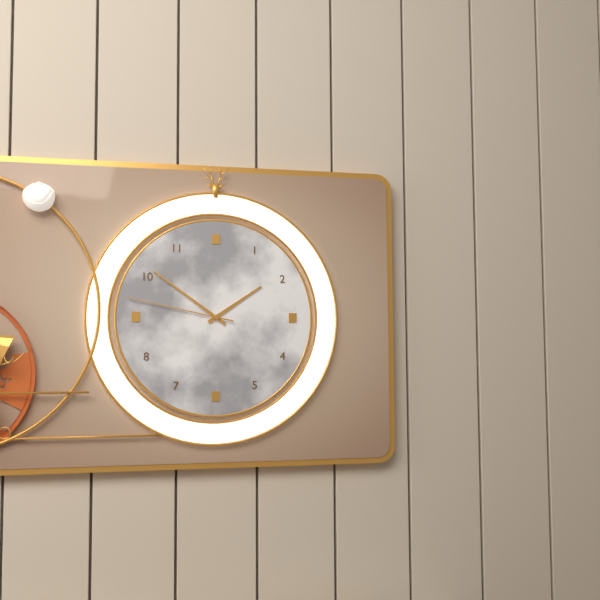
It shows 1h51m47s
